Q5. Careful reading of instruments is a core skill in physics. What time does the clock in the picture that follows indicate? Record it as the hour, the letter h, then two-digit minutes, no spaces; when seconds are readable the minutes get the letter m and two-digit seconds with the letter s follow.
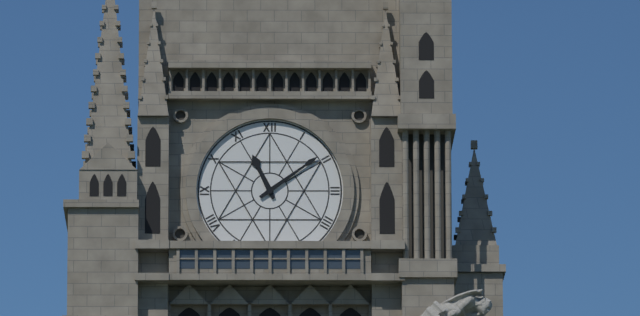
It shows 11h09
